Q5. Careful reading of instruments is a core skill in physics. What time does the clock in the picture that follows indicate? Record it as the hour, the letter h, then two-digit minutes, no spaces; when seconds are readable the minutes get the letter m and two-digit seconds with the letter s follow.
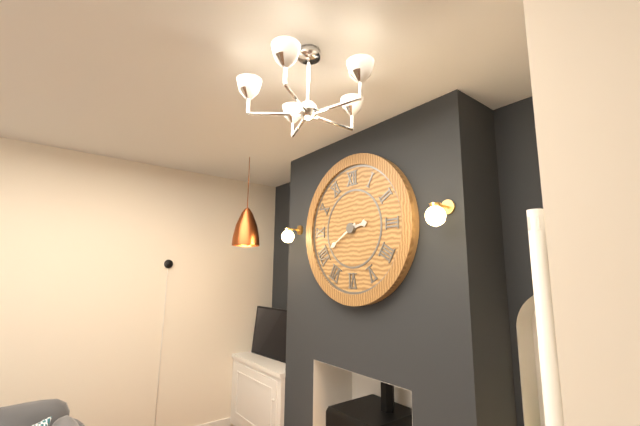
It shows 2h40
